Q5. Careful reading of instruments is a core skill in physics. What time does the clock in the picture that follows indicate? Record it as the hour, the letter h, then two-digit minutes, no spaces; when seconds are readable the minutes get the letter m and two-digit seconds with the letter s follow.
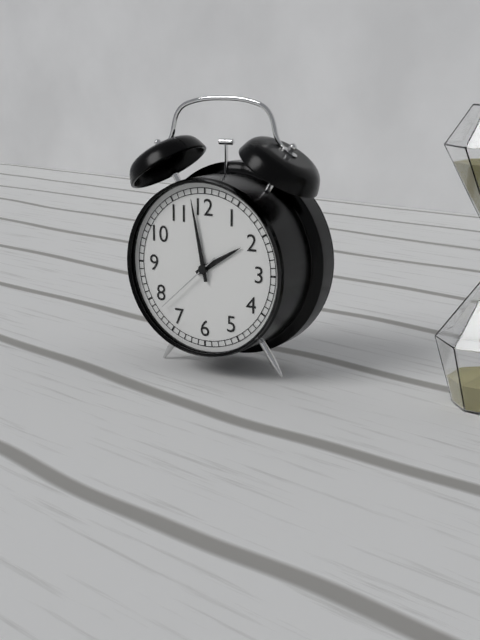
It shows 1h58m38s
